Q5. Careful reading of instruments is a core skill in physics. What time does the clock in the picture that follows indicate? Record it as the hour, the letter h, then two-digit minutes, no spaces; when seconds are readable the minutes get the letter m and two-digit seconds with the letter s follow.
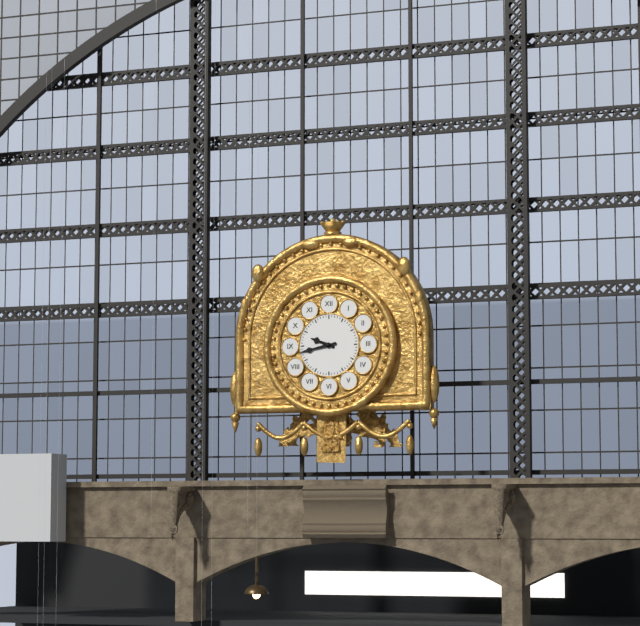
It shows 9h43
